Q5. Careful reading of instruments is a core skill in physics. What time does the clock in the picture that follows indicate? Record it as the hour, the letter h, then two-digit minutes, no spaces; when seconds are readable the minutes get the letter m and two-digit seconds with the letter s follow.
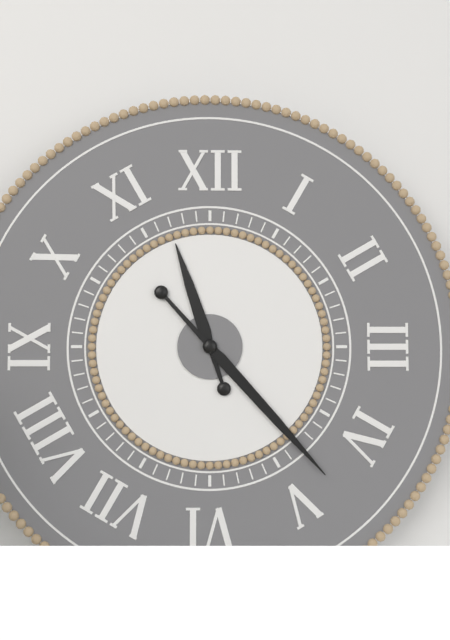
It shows 11h23
